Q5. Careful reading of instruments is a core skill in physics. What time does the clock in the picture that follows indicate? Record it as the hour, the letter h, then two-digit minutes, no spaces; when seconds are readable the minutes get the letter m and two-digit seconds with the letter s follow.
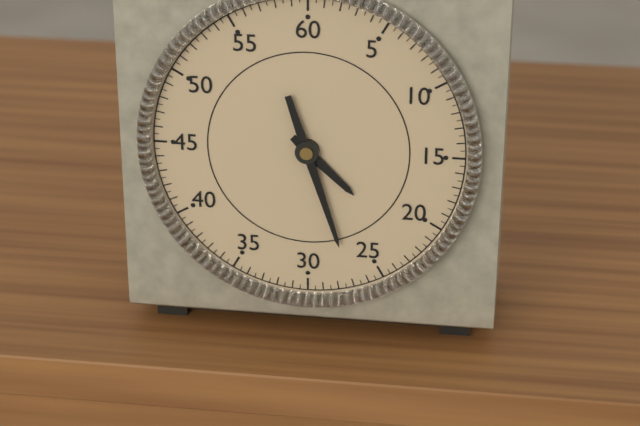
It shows 4h27
